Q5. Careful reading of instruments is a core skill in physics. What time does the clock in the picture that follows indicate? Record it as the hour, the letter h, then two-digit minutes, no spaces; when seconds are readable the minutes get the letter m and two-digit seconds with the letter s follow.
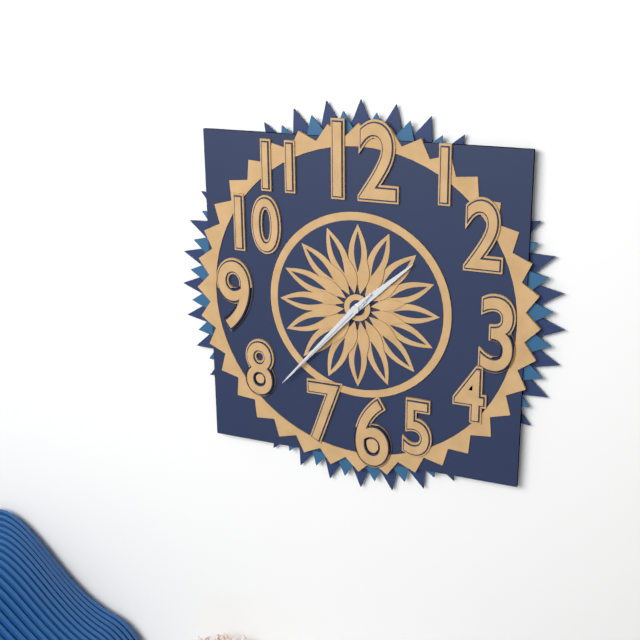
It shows 1h37m37s
